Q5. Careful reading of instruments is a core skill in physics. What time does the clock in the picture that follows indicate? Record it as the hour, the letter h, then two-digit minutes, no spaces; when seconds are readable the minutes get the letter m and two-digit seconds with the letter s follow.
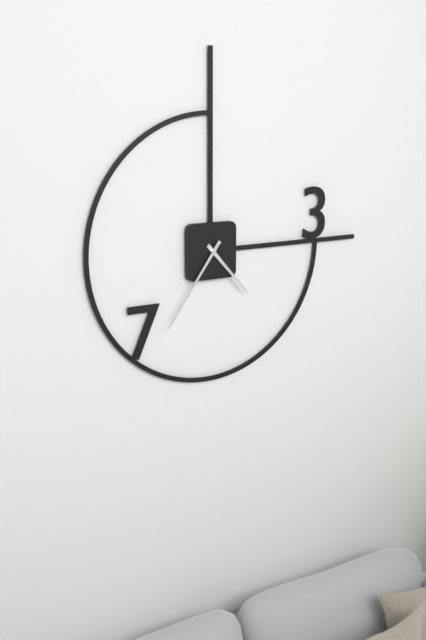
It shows 4h36
